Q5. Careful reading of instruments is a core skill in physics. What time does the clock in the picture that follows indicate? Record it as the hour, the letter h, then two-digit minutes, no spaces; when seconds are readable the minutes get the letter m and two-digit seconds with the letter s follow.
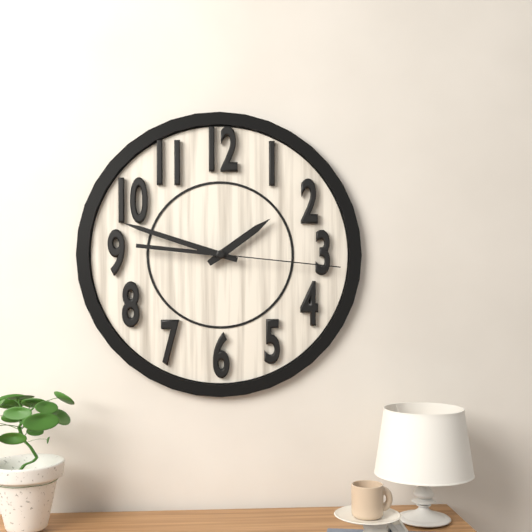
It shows 1h48m16s
